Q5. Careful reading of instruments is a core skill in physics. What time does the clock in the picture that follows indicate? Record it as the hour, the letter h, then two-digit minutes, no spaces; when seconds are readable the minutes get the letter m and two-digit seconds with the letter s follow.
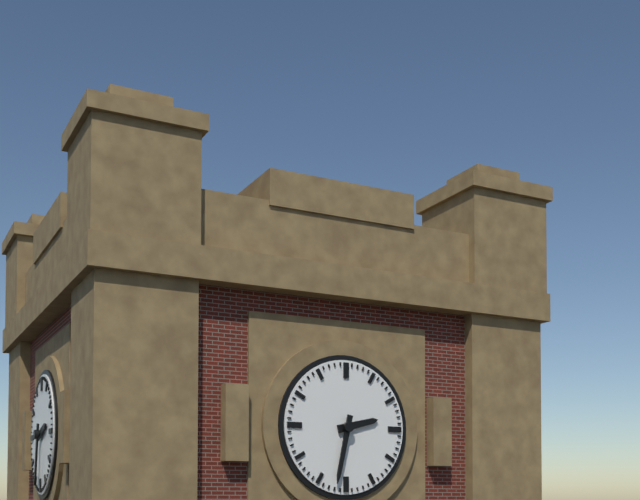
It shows 2h32
